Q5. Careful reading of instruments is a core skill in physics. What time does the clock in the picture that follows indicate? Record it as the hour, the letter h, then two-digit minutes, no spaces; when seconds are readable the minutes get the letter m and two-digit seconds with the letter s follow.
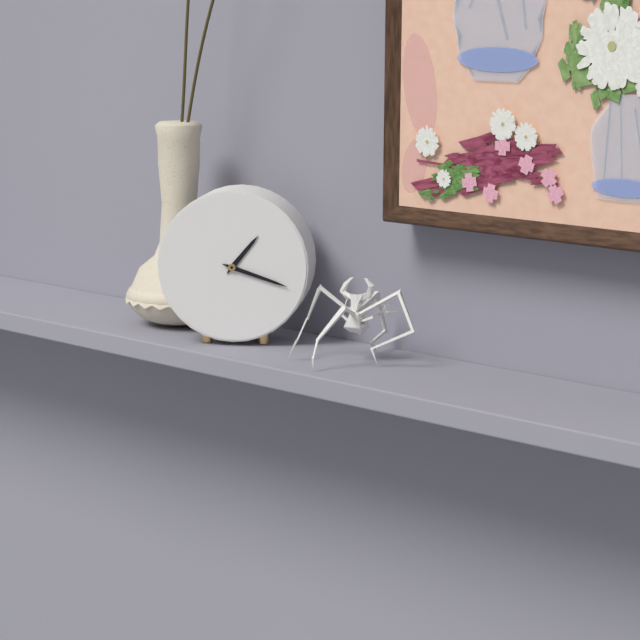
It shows 1h18
